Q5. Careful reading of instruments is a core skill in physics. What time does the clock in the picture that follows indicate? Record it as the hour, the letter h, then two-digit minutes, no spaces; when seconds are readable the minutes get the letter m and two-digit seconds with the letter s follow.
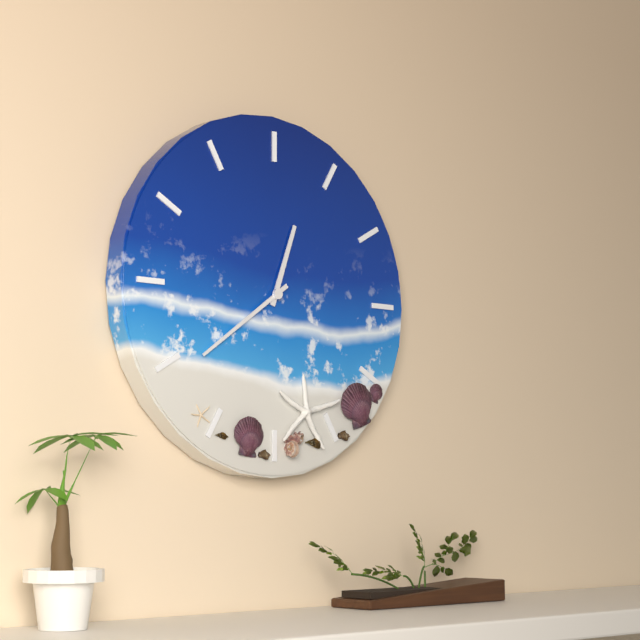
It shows 12h39
